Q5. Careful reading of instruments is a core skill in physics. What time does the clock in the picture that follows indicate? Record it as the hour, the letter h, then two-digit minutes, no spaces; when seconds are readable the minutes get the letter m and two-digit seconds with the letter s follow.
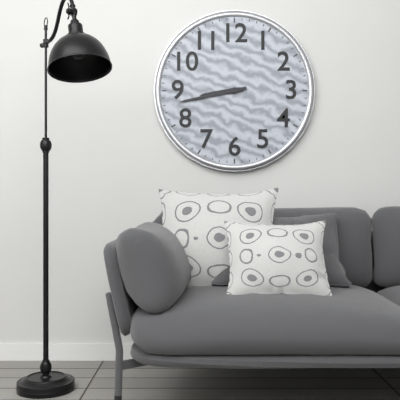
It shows 8h43
